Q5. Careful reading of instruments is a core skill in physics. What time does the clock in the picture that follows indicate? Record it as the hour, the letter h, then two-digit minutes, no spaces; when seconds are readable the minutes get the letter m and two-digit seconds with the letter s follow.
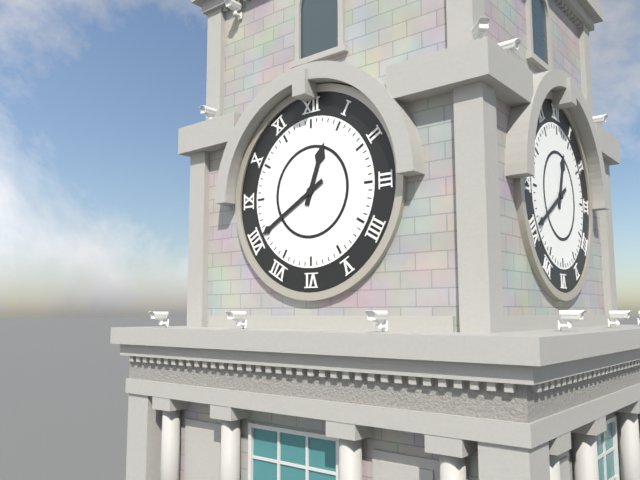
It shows 12h40
